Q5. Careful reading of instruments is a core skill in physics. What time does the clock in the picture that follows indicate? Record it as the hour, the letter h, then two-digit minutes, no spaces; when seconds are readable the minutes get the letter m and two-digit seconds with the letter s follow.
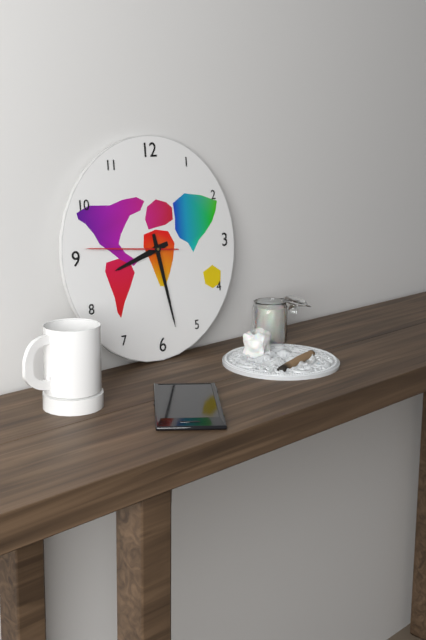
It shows 8h28m46s
